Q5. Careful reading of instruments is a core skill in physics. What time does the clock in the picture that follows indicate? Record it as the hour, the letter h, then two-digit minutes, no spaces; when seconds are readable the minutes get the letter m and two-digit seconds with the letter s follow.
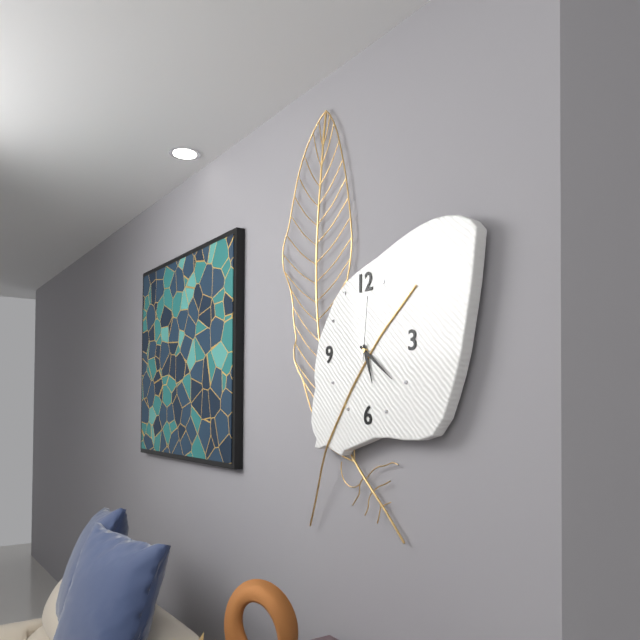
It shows 5h21m01s
